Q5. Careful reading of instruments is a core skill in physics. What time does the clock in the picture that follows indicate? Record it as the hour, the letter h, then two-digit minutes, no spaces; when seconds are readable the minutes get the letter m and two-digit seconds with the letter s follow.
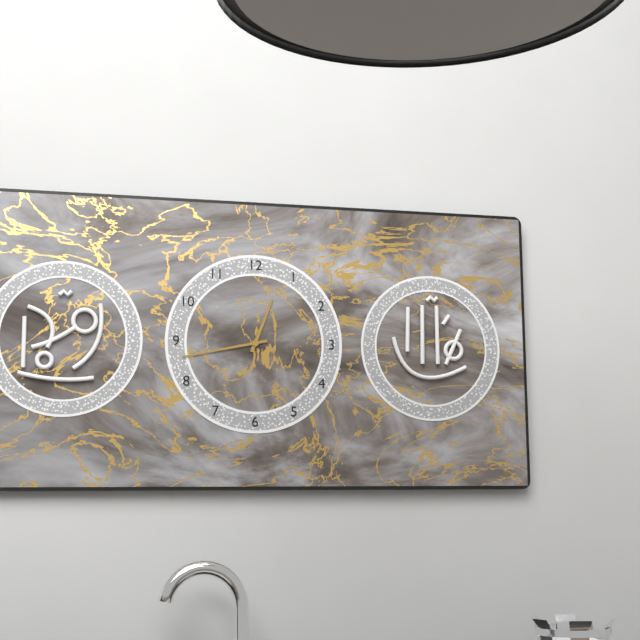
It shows 12h43
